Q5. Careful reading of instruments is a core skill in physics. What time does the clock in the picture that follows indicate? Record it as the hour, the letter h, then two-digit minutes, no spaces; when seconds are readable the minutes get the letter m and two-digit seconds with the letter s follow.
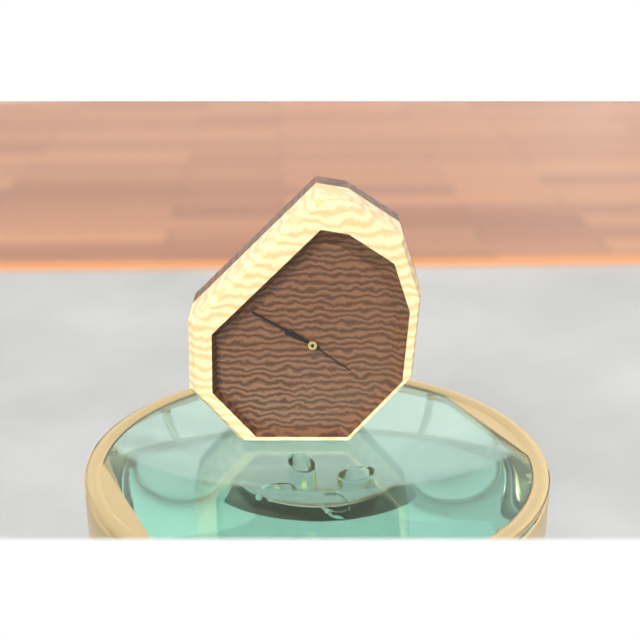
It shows 9h50m21s
